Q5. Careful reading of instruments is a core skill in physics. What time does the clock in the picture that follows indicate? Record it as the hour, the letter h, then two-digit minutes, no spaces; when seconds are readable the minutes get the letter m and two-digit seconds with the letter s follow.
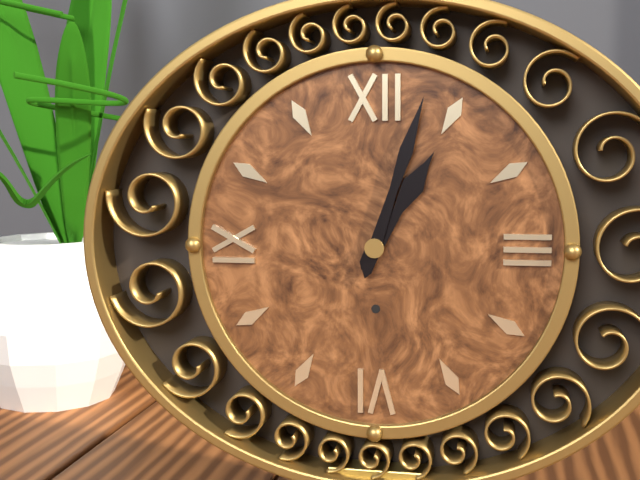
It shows 1h03
